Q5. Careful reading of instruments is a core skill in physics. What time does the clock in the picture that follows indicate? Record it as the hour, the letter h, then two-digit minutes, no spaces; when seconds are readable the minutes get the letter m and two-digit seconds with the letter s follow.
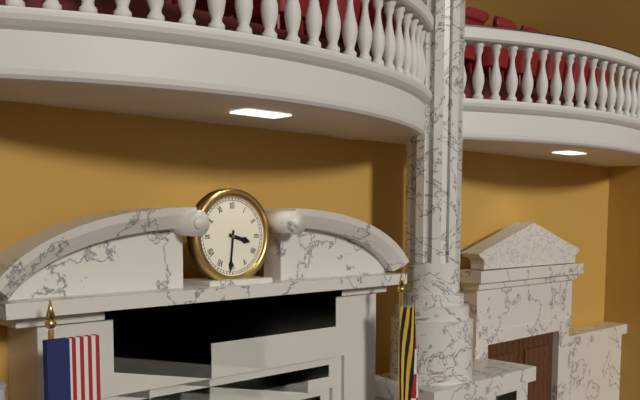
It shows 3h31
